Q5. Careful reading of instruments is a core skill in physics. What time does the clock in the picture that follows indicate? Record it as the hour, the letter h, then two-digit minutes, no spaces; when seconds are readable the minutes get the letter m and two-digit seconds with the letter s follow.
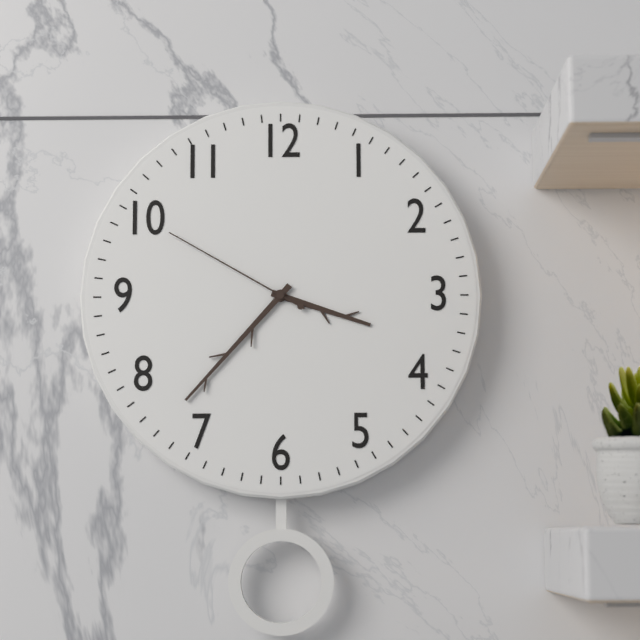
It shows 3h37m50s
